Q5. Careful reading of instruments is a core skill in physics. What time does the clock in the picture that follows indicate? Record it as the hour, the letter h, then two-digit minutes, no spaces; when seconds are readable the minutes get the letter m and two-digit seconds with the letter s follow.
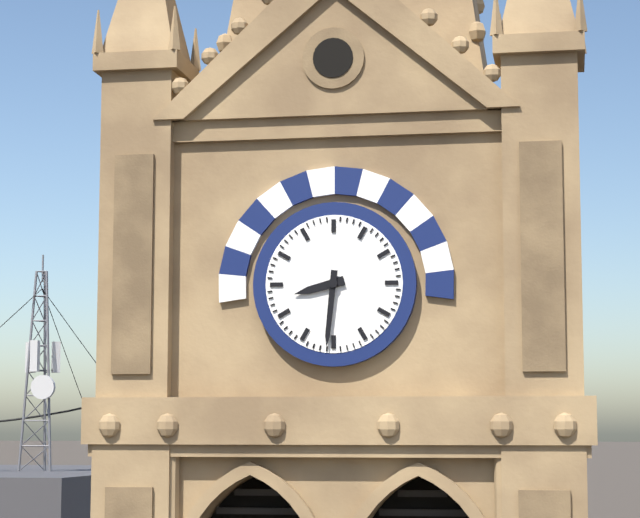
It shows 8h31
